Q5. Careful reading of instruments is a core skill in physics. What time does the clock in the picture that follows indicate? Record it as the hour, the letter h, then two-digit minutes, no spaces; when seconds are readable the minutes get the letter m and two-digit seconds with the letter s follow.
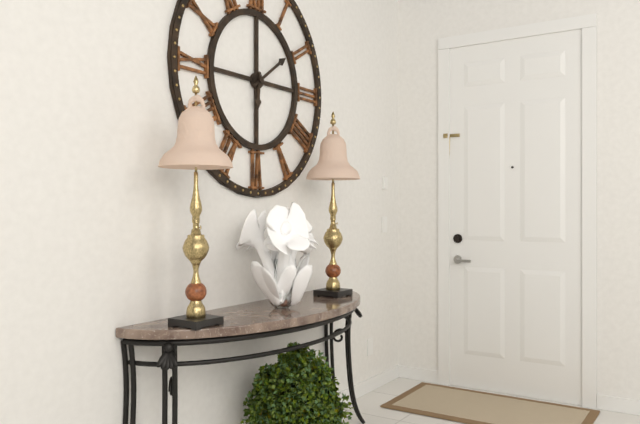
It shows 6h09
